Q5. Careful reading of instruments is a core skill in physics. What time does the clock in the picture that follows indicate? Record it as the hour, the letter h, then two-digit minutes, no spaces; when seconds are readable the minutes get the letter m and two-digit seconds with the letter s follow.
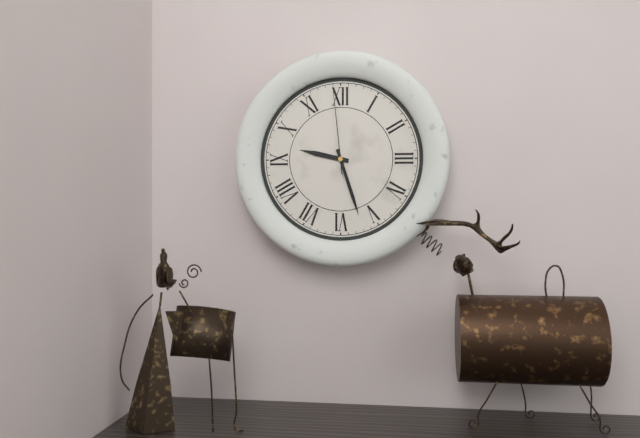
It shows 9h27m59s
